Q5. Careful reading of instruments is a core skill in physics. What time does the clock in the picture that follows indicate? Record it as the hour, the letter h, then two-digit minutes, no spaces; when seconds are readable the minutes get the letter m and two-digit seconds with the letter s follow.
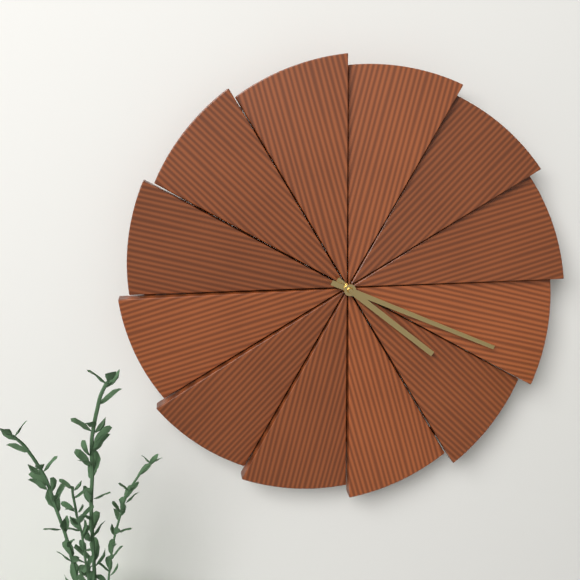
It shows 4h19
